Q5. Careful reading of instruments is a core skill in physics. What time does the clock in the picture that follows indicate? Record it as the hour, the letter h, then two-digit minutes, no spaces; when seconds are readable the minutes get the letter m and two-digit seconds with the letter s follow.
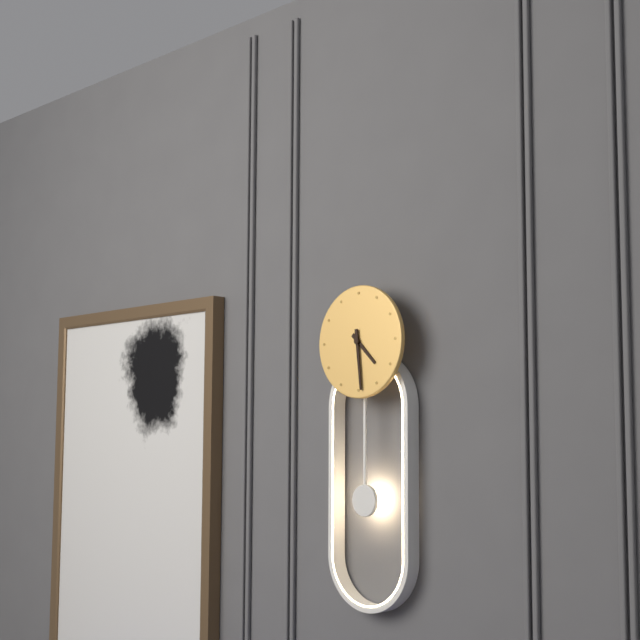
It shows 4h29
